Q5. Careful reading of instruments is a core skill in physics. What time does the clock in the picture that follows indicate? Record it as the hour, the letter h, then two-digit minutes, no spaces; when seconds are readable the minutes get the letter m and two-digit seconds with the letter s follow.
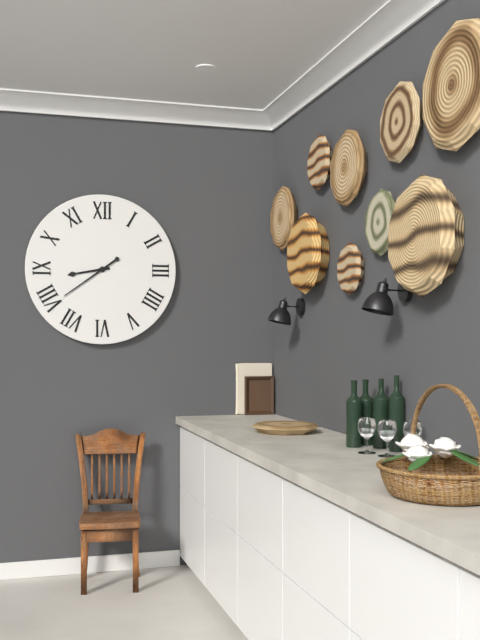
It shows 8h39
